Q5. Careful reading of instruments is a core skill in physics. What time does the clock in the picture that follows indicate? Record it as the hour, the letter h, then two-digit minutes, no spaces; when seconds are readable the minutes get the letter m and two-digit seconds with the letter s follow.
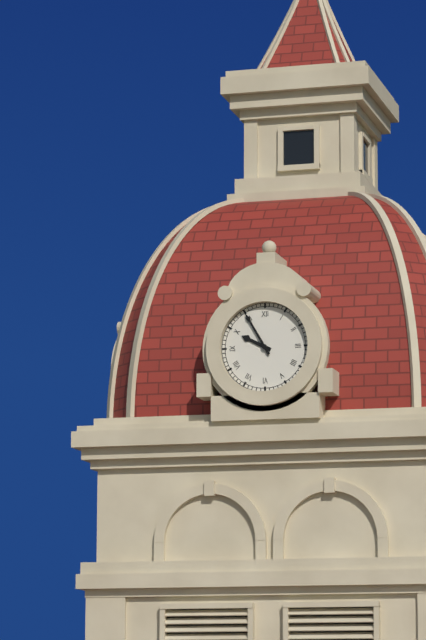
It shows 9h55
